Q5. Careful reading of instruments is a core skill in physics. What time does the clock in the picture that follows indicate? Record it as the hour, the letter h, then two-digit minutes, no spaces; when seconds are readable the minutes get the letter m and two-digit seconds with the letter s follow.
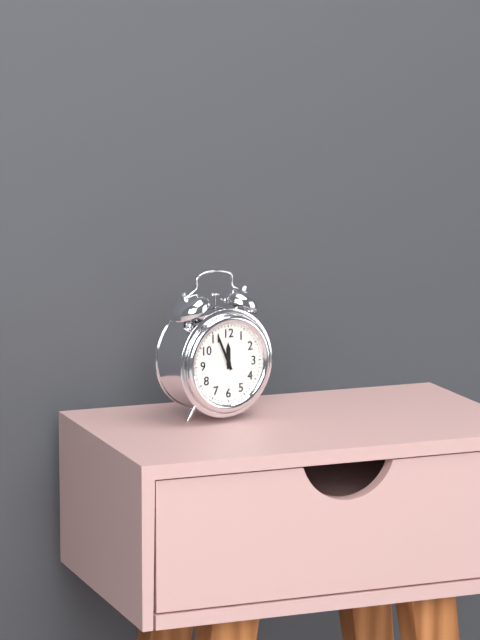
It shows 11h56
